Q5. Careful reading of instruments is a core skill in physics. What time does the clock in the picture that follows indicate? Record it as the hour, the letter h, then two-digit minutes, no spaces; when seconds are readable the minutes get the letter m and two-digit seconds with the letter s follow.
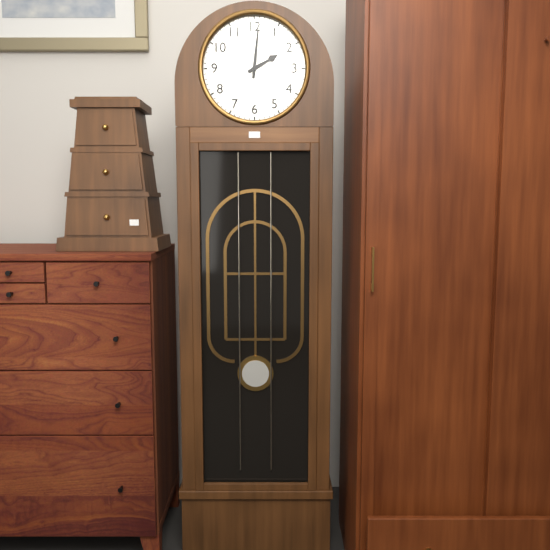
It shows 2h01
